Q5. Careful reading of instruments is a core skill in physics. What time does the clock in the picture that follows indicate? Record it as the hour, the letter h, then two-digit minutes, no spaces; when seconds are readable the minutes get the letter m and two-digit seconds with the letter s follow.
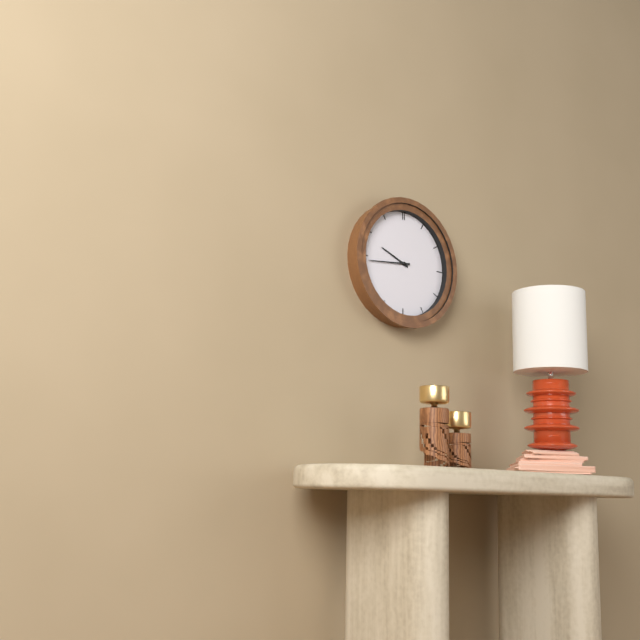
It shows 9h44
